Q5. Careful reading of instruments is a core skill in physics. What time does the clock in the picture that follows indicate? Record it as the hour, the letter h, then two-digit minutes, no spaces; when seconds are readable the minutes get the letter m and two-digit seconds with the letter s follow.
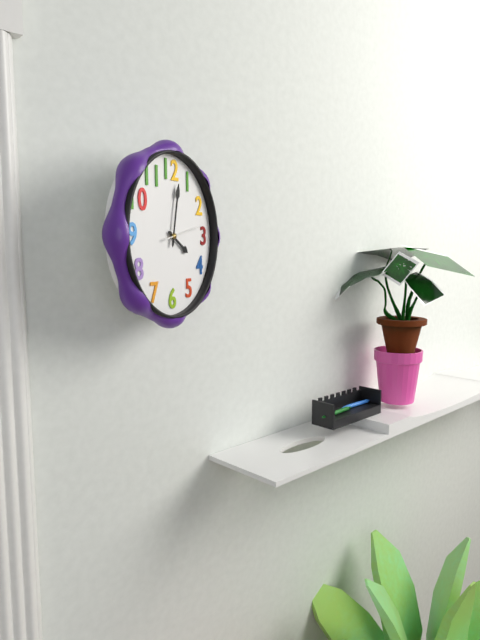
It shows 4h02
